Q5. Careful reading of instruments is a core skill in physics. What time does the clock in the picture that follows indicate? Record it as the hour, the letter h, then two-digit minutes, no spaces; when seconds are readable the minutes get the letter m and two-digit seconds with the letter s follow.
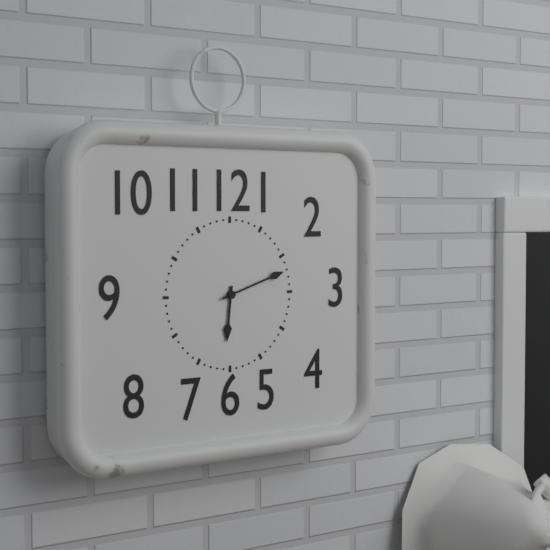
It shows 6h12
